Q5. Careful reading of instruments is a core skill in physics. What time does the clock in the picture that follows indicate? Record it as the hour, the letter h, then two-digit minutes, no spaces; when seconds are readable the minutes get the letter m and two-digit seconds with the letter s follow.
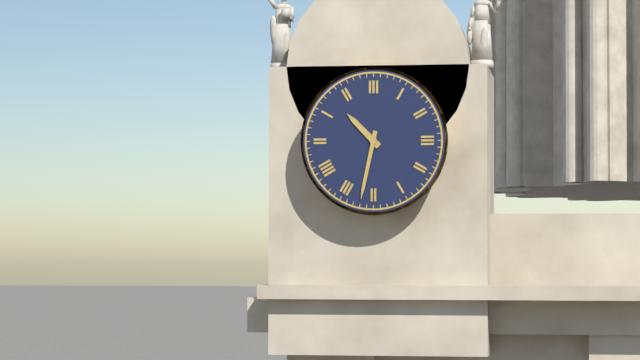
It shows 10h32
